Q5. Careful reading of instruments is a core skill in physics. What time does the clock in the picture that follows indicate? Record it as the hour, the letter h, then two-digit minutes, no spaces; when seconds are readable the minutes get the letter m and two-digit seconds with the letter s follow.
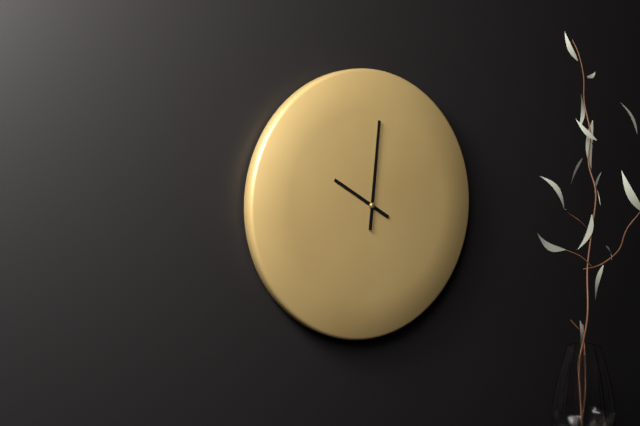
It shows 10h01
